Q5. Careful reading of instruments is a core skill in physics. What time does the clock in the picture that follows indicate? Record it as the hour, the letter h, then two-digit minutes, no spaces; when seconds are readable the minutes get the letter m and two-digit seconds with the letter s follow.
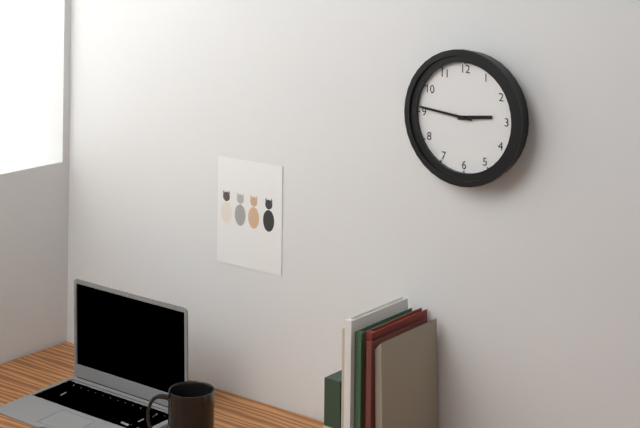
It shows 2h46
